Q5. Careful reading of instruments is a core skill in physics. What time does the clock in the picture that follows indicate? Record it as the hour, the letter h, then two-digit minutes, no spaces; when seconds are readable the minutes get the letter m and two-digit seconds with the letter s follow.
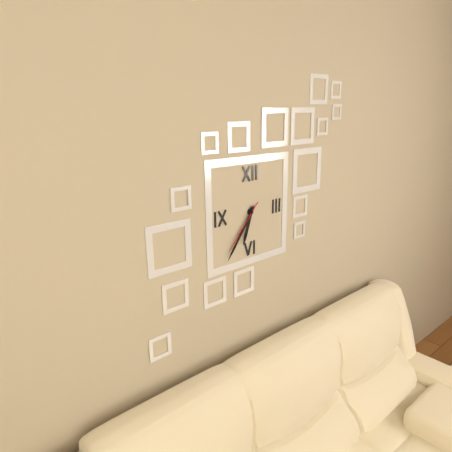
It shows 6h36m37s
